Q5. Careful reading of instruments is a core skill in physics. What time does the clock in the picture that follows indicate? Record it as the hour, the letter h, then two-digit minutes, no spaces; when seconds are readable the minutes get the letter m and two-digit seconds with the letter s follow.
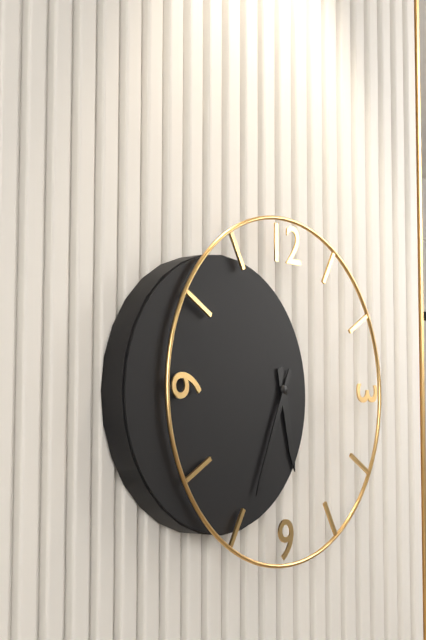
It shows 5h34
